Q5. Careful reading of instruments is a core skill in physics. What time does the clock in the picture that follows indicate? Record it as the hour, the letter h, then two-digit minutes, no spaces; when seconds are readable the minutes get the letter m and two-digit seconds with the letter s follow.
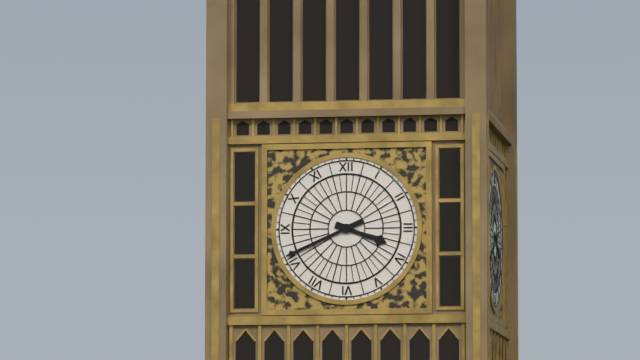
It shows 3h41
